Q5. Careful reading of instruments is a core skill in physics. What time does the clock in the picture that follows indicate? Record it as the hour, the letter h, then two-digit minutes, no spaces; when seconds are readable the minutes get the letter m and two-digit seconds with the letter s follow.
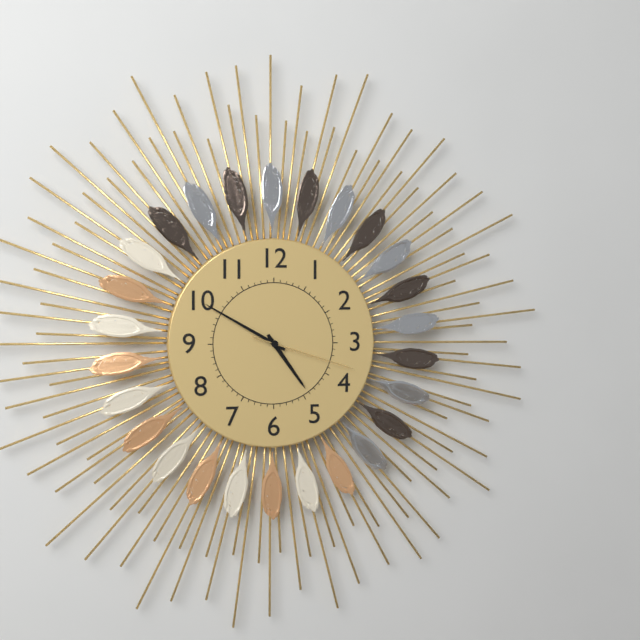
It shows 4h50m18s
